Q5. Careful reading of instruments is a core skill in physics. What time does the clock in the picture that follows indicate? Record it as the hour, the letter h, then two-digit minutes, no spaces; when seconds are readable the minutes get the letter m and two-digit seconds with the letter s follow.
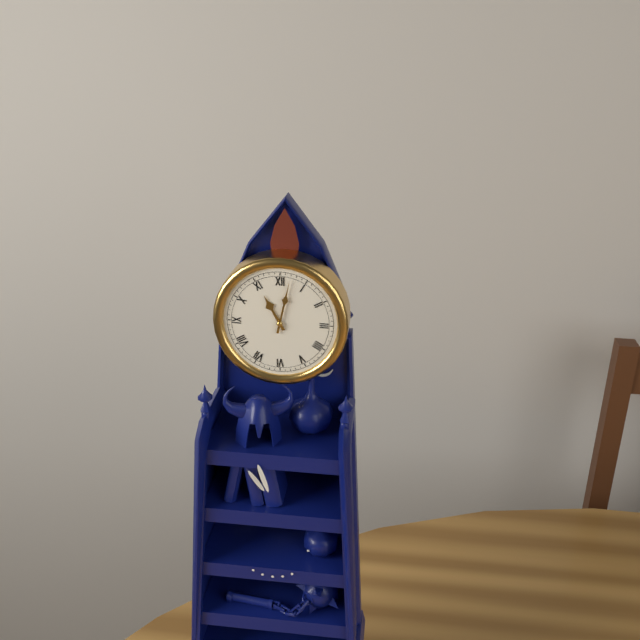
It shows 11h02
